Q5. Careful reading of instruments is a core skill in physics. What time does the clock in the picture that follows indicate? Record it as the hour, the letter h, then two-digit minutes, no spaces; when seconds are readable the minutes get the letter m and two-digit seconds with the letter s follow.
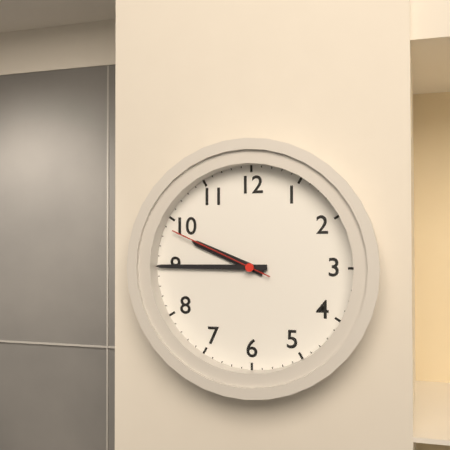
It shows 9h45m49s
